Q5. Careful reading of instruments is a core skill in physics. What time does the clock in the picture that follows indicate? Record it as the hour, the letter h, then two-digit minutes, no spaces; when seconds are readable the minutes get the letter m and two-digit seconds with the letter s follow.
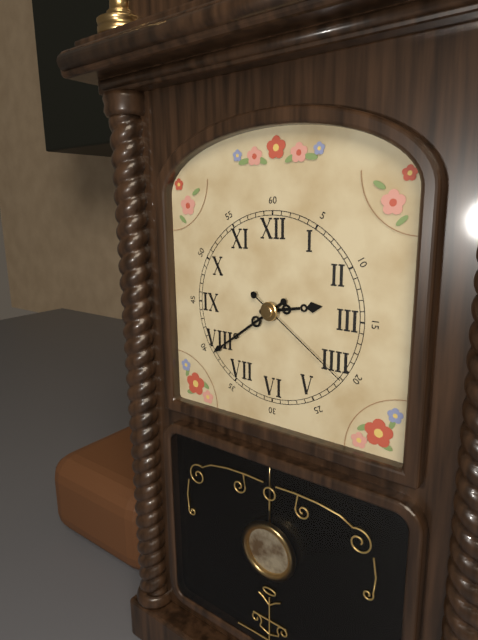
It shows 2h39m21s
